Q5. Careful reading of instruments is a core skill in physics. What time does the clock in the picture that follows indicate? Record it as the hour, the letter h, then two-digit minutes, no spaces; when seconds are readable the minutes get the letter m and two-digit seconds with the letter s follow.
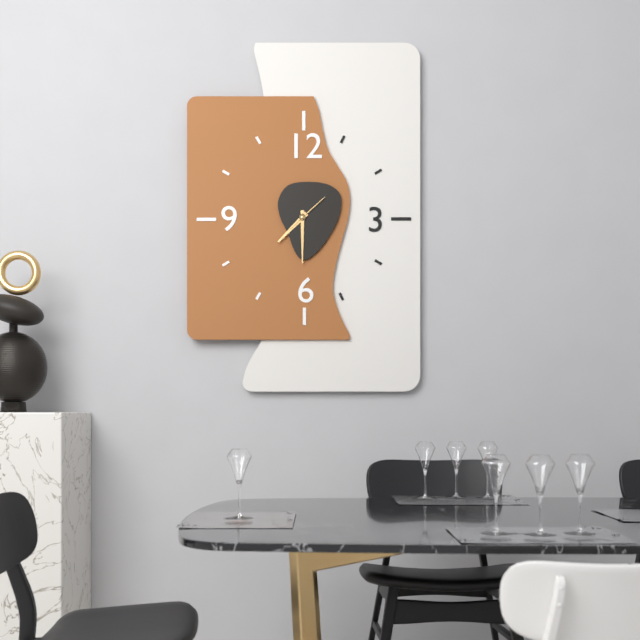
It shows 7h30
